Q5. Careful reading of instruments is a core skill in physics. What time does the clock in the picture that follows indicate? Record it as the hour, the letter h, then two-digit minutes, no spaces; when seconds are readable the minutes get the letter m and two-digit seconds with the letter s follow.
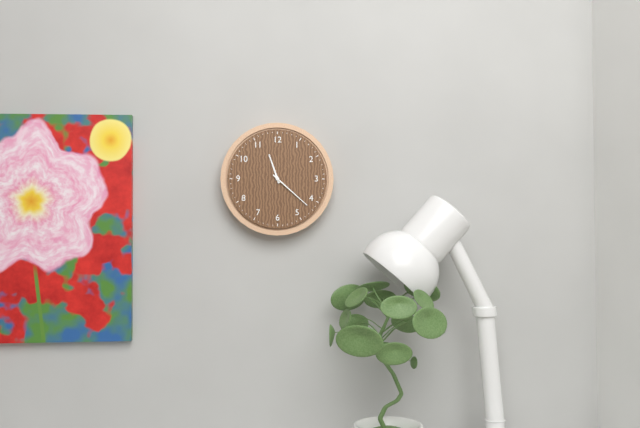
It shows 11h22
